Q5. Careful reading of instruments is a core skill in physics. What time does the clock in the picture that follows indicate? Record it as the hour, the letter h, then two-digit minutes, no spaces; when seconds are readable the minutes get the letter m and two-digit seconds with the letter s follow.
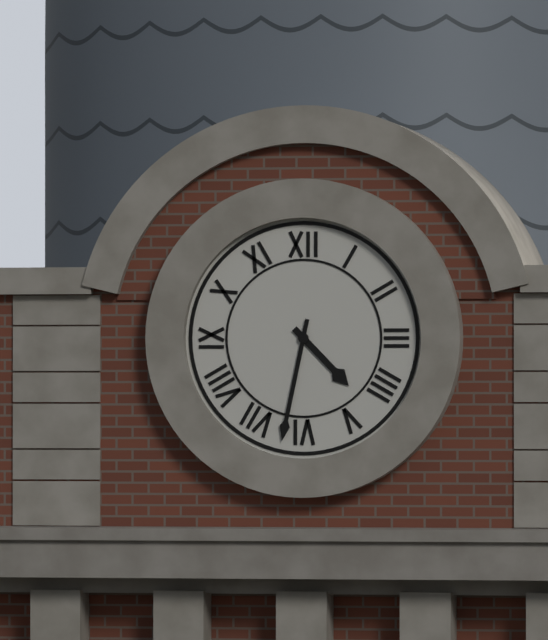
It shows 4h32
